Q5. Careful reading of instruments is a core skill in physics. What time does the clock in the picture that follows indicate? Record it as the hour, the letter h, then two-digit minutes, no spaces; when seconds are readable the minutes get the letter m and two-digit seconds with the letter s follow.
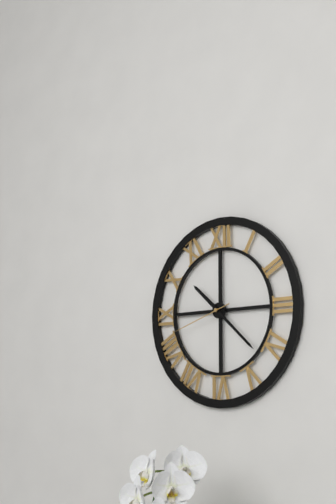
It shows 10h22m42s
